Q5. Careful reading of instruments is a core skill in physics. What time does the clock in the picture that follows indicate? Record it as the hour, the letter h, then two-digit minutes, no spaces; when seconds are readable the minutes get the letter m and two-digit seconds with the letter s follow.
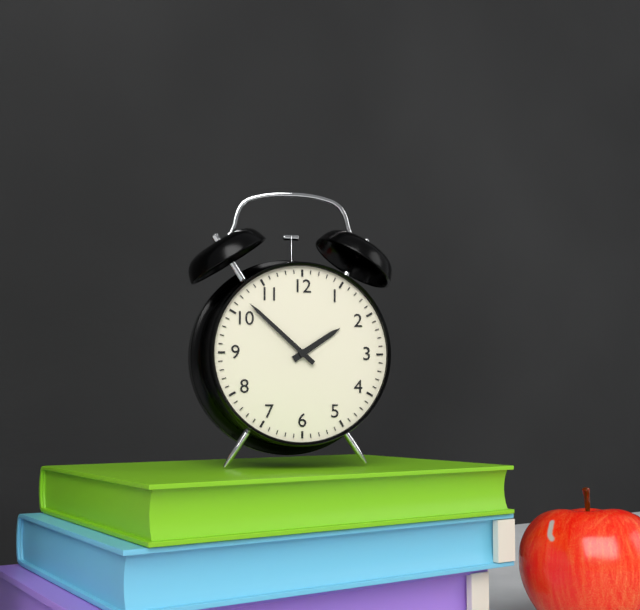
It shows 1h52
